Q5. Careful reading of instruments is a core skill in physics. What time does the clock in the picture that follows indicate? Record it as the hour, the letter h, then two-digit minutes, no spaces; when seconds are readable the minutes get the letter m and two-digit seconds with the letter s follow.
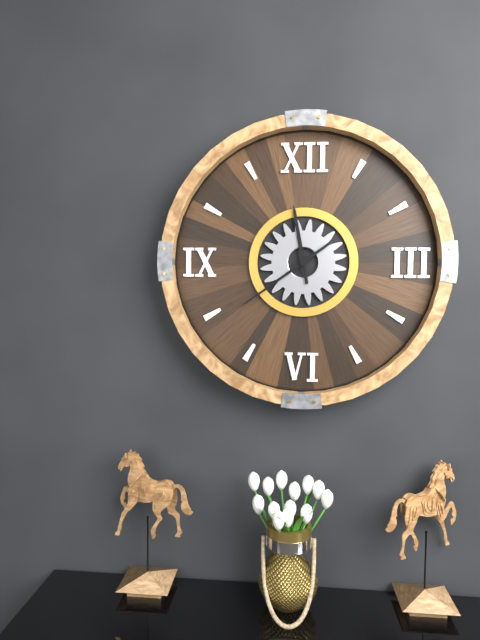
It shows 11h39
